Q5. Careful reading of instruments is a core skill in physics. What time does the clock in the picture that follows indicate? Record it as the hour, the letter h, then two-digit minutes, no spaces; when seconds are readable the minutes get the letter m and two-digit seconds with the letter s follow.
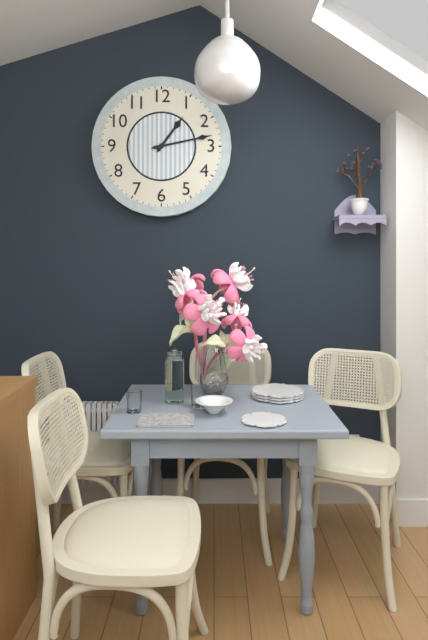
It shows 1h13
